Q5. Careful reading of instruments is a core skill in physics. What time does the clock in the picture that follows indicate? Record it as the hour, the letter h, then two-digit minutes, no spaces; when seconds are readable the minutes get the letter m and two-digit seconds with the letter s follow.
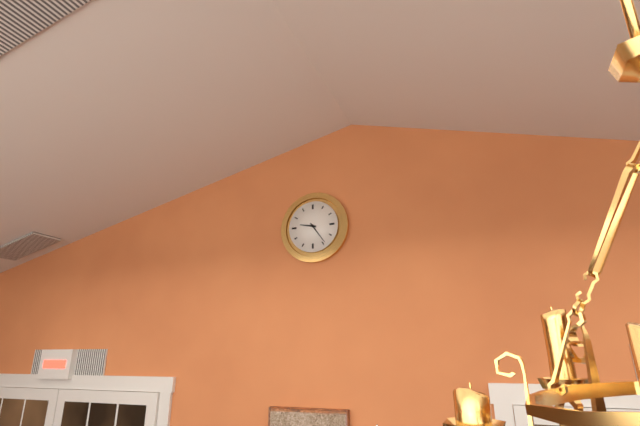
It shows 9h24
